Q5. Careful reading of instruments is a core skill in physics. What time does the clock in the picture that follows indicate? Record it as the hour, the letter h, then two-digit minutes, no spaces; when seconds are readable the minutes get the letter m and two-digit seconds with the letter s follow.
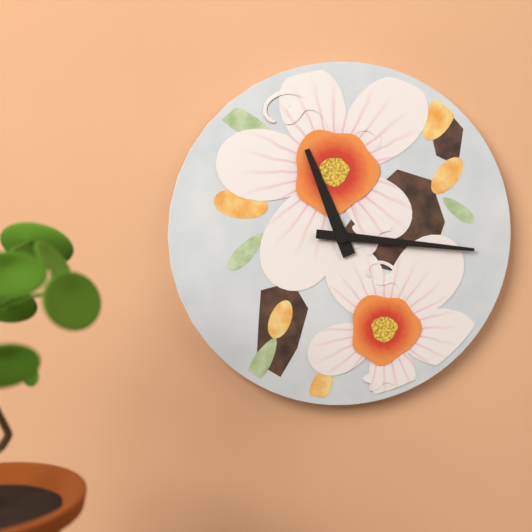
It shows 11h16
